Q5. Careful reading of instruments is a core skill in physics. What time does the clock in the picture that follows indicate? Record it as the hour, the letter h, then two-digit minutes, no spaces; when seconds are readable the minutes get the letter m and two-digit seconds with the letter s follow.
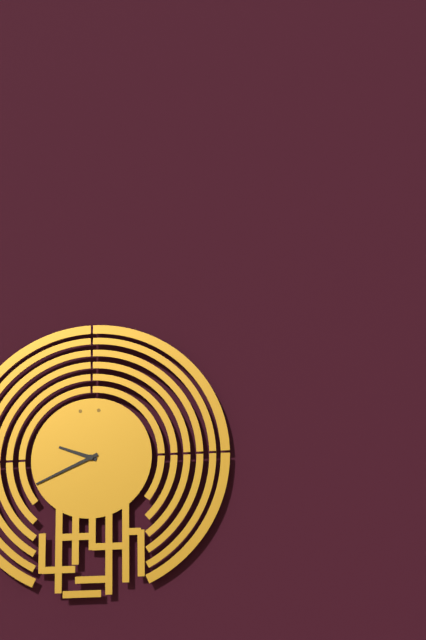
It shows 9h41
